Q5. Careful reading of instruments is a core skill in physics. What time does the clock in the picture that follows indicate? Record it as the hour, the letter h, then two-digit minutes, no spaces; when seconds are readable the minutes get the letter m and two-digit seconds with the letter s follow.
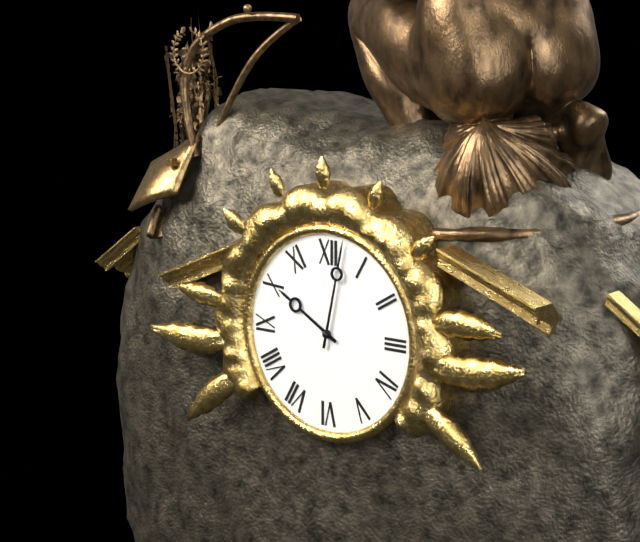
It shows 10h02
